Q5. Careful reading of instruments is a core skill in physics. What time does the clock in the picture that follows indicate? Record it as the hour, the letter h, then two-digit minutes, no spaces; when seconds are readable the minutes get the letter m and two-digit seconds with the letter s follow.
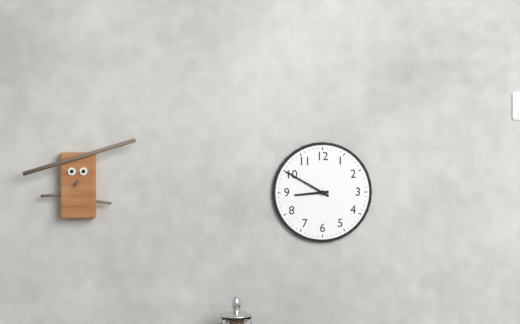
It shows 8h50
